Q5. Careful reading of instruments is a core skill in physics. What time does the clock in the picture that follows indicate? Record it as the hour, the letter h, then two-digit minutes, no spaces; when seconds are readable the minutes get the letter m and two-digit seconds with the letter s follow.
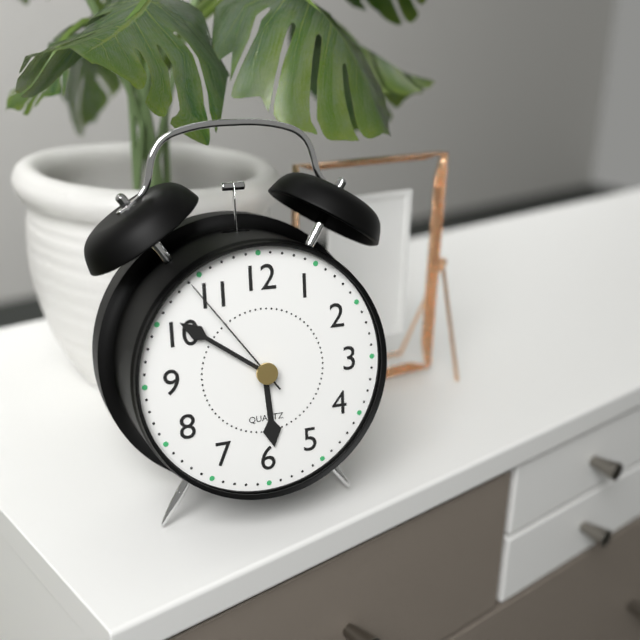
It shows 5h51m54s
